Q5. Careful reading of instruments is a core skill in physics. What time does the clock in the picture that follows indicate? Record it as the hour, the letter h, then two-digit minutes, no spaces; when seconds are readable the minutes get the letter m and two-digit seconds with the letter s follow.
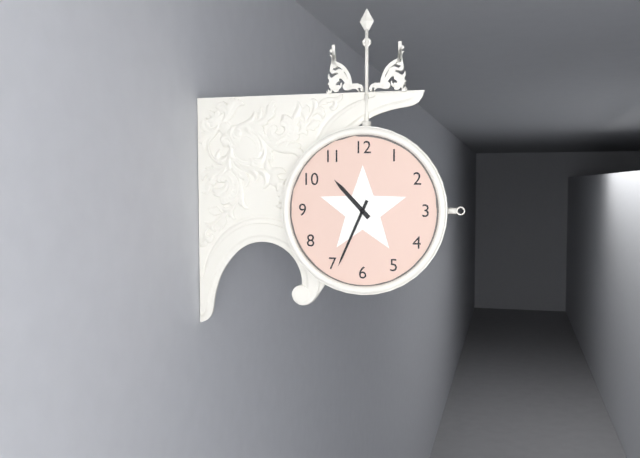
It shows 10h34
